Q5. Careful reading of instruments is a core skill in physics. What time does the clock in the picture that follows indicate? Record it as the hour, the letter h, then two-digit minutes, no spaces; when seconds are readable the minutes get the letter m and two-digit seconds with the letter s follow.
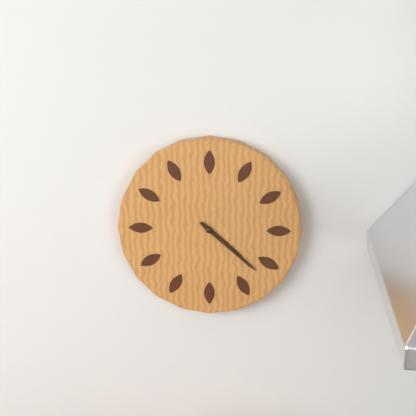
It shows 4h22
